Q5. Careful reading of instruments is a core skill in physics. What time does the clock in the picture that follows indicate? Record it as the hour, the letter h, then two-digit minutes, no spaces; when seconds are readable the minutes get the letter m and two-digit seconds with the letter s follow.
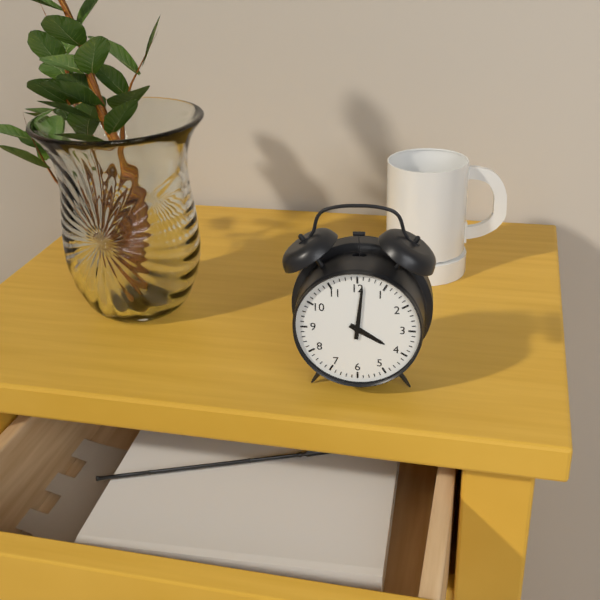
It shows 4h01
